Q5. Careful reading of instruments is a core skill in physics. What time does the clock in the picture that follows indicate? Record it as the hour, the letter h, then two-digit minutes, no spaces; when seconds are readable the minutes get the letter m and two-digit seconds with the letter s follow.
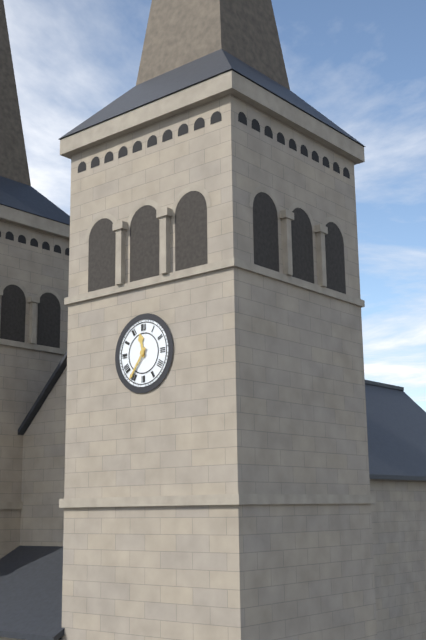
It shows 11h36
